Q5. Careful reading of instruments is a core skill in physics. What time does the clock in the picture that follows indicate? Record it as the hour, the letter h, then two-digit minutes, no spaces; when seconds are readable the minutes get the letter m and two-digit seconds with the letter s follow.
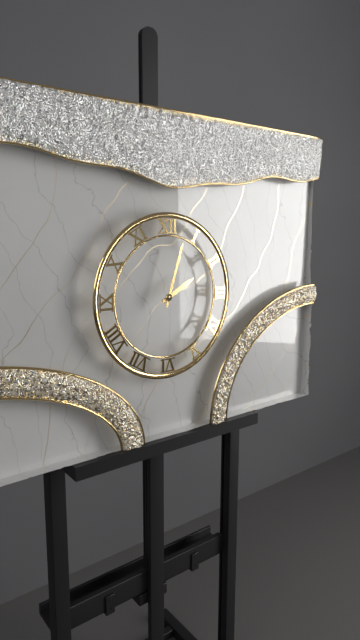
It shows 2h03
